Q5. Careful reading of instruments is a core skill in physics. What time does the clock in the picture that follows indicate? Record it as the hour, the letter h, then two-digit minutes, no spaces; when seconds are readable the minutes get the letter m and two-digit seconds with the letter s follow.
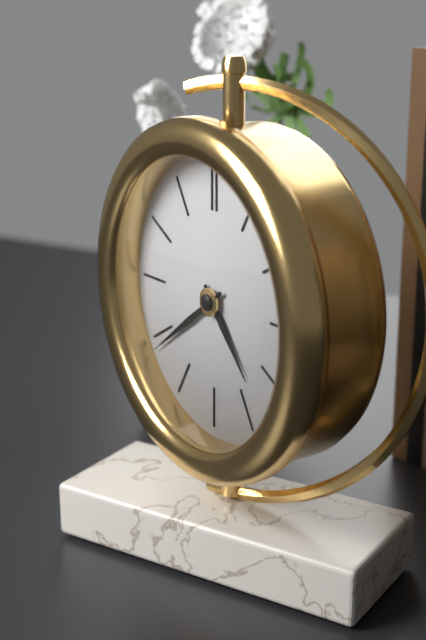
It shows 4h39
